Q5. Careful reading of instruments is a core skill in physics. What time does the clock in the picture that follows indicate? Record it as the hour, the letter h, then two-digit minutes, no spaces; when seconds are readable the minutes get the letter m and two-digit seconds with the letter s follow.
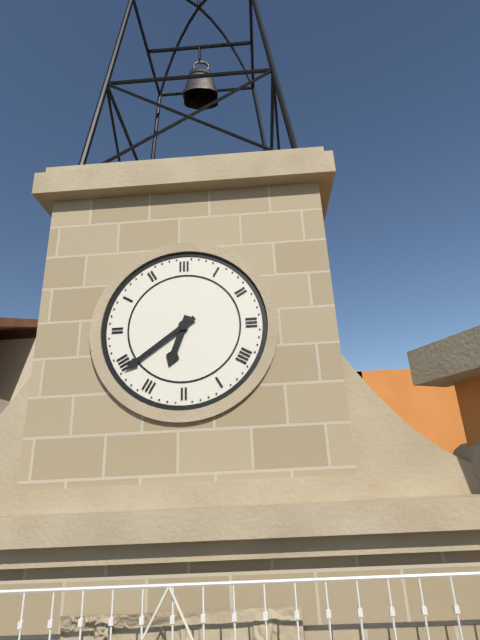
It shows 6h39
